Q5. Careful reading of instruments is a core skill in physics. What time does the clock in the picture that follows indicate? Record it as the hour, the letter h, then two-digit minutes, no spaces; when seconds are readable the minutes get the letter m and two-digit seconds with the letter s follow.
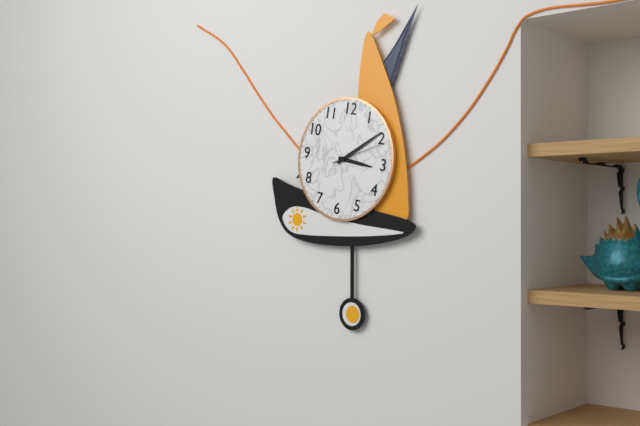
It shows 3h09
